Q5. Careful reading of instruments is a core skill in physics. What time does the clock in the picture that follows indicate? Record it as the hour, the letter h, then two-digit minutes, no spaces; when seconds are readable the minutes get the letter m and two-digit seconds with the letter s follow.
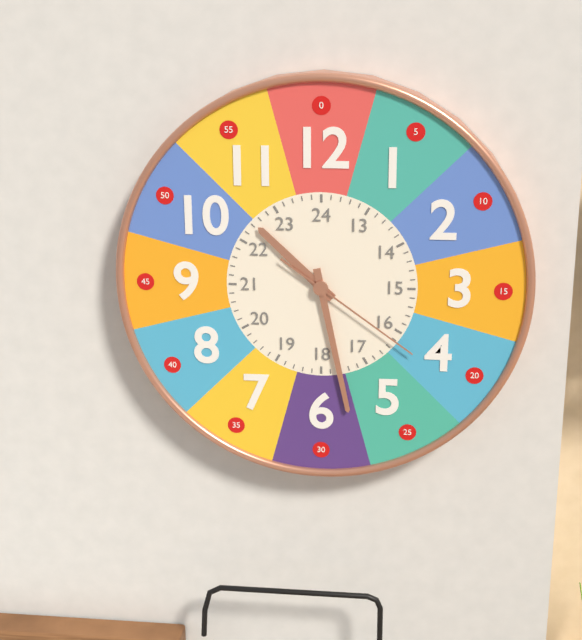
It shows 10h28m21s
